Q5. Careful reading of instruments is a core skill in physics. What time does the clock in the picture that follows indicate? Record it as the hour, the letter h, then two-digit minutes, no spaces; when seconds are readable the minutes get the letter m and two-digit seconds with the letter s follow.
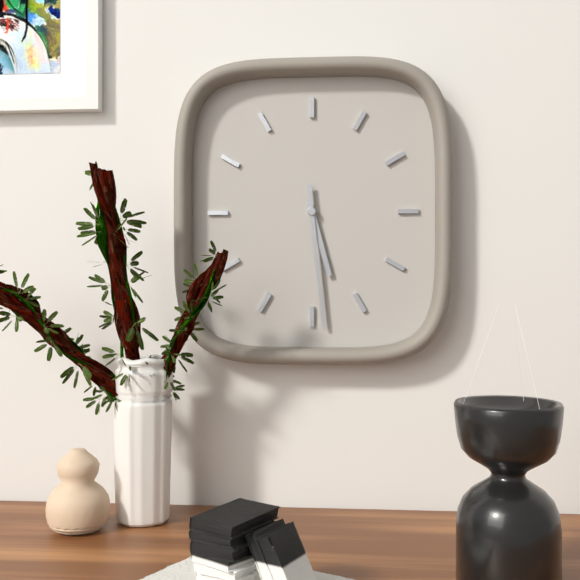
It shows 5h29
